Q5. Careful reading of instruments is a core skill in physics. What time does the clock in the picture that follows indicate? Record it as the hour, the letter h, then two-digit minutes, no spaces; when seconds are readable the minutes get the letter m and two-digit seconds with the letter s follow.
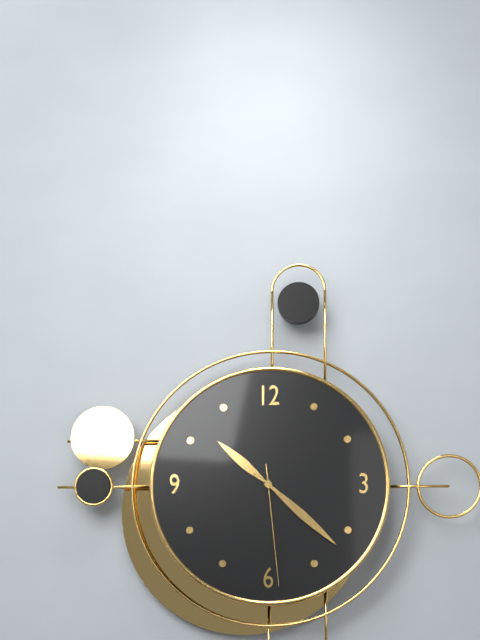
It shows 10h22m29s
